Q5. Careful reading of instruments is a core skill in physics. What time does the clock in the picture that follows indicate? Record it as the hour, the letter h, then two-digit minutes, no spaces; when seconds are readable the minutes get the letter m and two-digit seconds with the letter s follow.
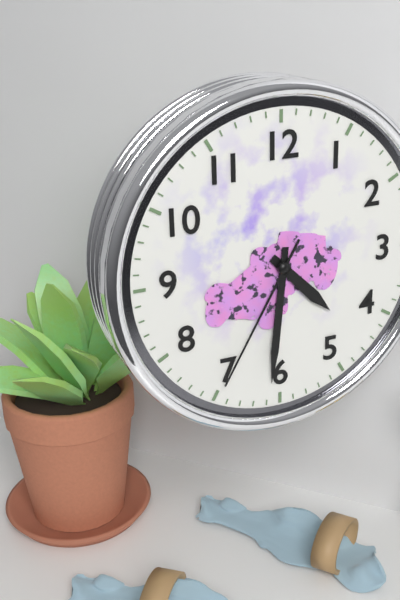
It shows 4h31m35s
